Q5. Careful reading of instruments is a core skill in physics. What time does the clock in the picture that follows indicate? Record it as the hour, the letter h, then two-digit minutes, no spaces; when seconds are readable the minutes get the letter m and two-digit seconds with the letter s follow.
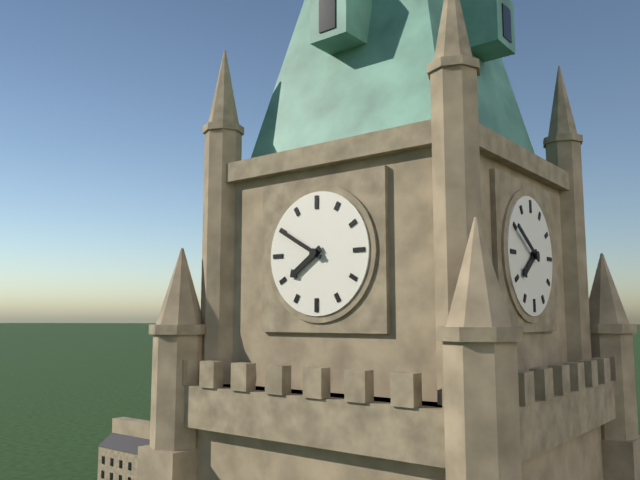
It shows 7h50
